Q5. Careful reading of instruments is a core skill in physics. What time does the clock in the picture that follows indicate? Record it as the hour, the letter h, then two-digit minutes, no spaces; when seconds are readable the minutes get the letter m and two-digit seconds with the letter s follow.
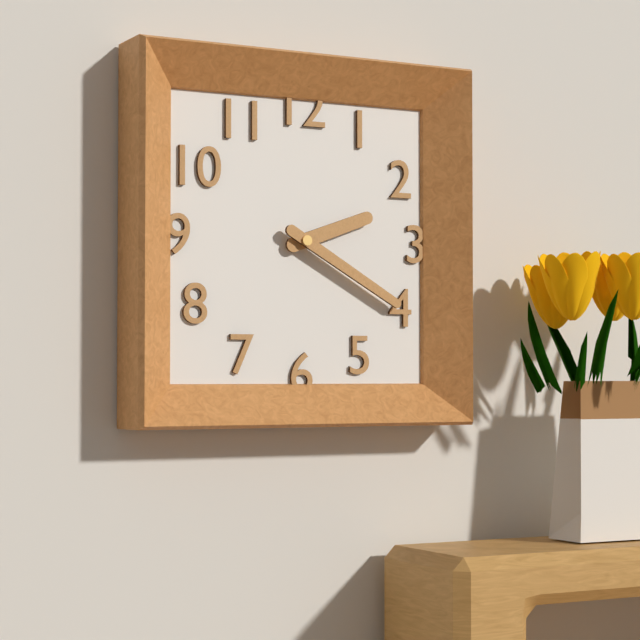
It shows 2h20
